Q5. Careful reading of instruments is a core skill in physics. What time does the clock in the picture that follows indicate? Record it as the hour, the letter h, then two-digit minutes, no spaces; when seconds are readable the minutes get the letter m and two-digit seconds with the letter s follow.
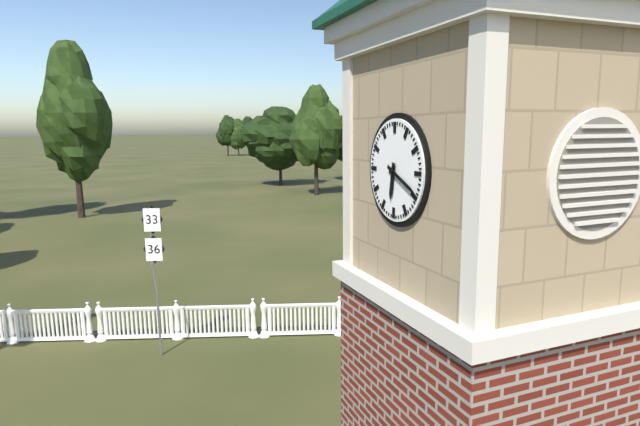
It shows 6h19
